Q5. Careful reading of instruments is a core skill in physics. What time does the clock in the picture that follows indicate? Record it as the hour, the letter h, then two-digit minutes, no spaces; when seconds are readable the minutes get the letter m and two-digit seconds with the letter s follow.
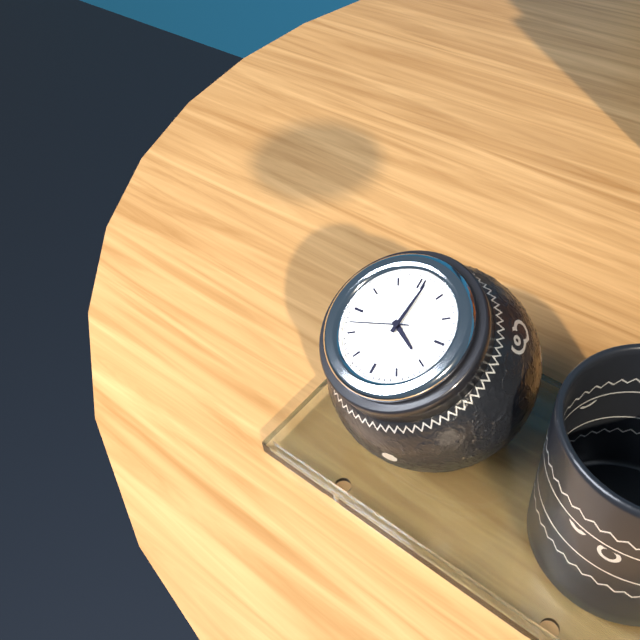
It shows 4h01m42s
